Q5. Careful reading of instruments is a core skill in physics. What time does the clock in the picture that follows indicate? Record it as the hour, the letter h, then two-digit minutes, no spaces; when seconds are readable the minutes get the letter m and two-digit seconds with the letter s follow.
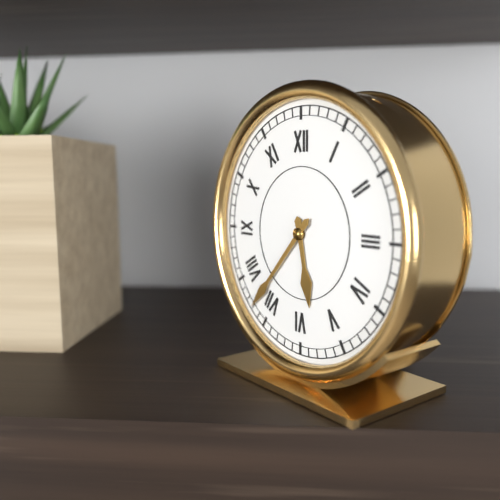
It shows 5h37
